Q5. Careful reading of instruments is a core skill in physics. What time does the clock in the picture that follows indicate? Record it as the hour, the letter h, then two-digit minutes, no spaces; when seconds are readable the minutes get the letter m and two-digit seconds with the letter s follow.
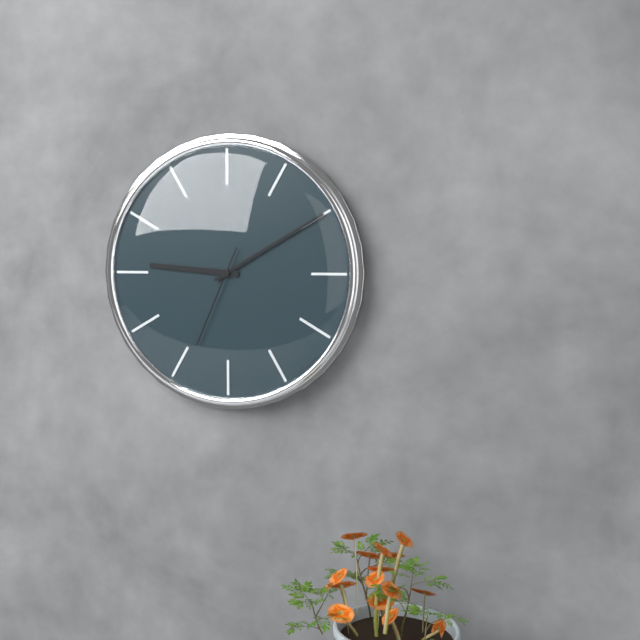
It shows 9h10m34s
